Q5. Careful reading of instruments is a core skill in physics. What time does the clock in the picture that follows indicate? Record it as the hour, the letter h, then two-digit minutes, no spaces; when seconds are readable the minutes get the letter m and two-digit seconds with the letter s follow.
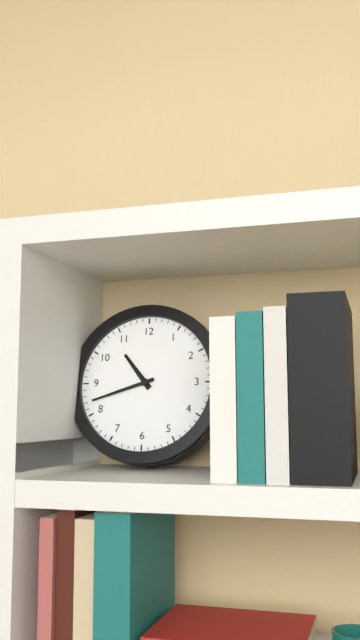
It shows 10h42
